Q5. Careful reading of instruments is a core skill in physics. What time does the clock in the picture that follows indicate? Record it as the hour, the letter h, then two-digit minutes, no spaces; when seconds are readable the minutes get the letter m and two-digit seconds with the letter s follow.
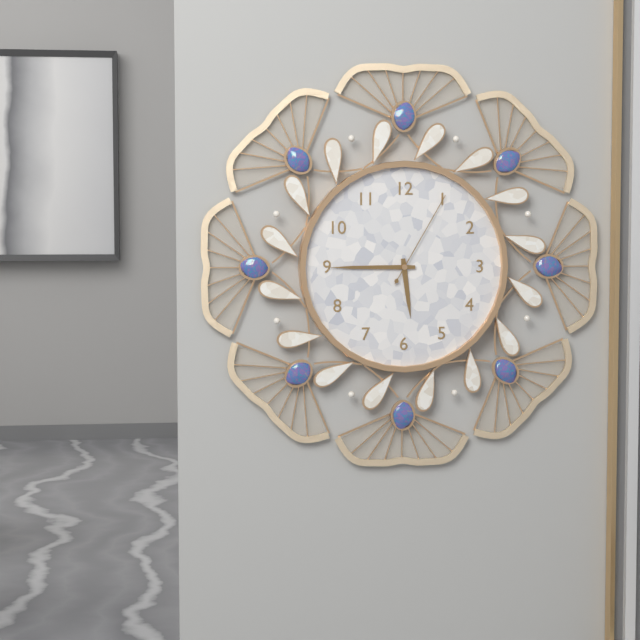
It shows 5h45m05s
